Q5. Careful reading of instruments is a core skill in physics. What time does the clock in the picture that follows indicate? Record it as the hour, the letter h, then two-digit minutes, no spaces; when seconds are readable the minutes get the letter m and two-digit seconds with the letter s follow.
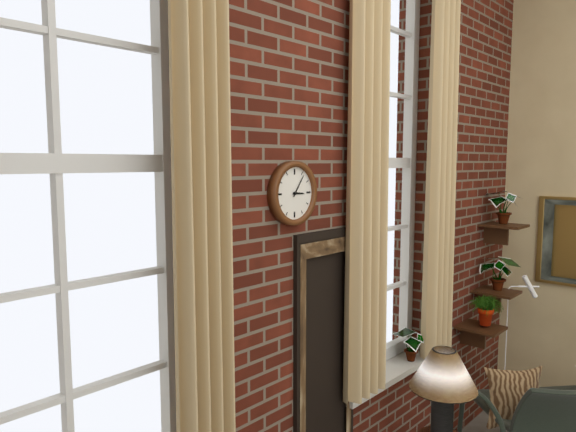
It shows 3h06
